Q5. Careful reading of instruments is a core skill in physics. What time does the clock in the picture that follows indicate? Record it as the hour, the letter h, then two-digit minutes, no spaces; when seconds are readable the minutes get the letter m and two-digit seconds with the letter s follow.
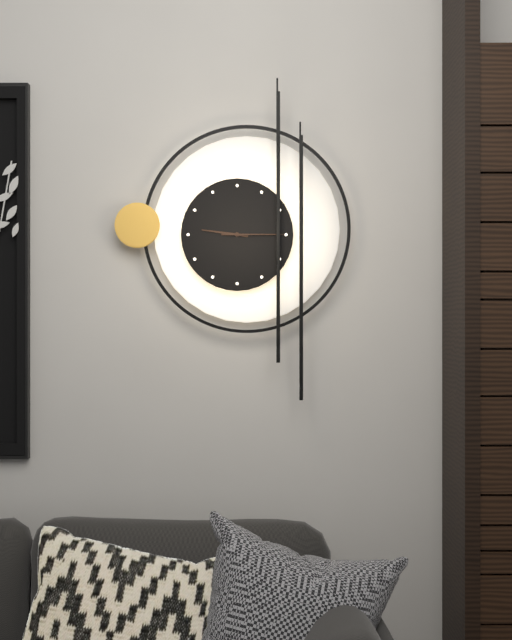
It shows 9h15
